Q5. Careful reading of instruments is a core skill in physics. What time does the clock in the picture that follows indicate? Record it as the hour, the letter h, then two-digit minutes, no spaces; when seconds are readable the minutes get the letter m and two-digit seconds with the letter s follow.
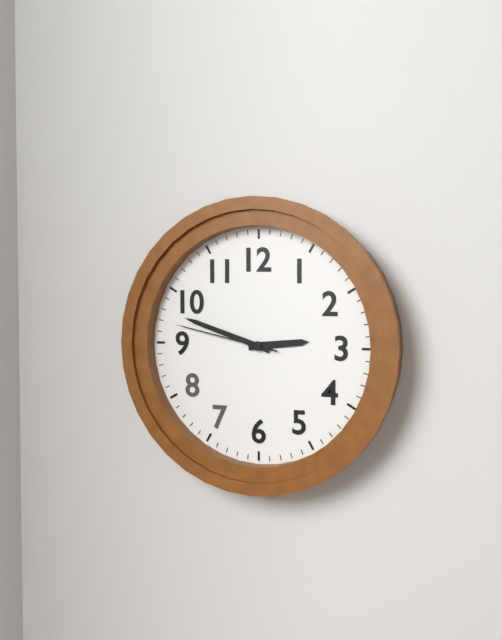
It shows 2h48m47s
